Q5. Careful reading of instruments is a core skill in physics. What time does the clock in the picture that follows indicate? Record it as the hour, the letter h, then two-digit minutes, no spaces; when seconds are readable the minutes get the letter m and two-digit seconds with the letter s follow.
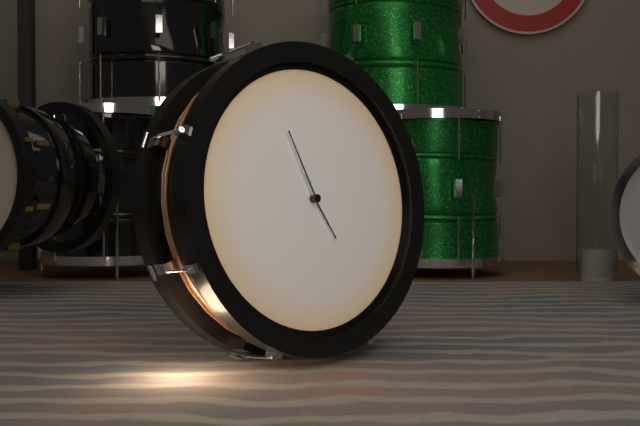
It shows 4h56
